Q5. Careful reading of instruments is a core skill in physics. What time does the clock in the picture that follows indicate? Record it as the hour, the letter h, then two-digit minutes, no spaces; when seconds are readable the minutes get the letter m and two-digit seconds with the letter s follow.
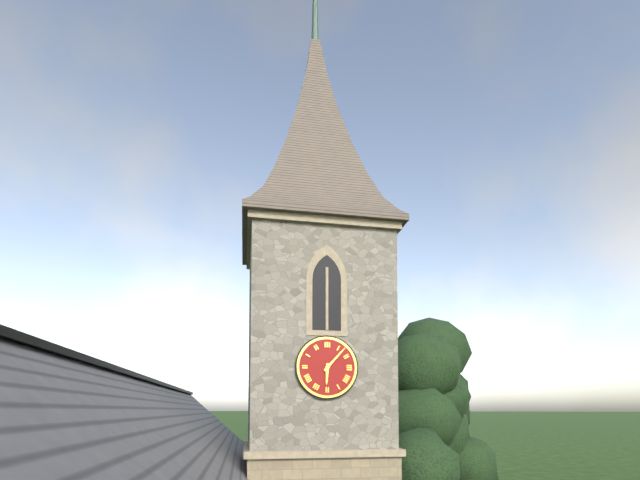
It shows 6h07
